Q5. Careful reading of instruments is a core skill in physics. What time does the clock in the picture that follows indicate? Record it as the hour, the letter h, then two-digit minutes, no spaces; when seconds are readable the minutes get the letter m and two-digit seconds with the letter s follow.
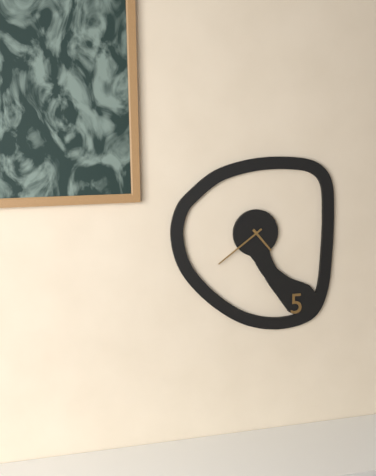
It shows 4h39
